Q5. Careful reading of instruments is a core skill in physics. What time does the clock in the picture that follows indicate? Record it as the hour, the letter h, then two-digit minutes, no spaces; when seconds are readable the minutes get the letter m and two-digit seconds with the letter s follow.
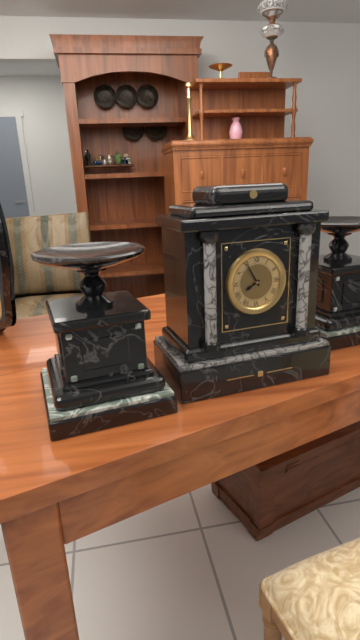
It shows 7h55
